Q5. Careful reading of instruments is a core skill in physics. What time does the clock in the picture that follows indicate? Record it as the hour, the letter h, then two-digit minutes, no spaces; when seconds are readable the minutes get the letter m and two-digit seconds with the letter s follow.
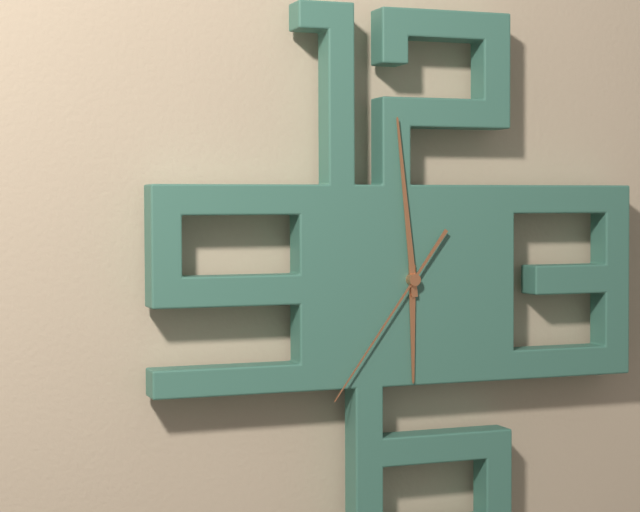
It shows 5h59m36s
